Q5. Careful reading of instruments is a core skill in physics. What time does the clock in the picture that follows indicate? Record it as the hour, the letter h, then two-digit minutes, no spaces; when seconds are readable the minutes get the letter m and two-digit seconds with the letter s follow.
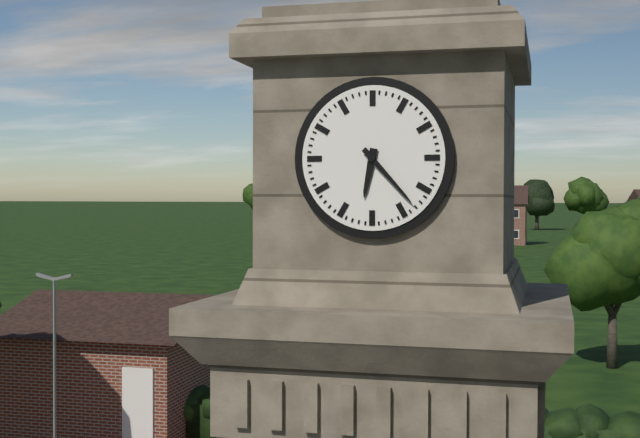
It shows 6h23
